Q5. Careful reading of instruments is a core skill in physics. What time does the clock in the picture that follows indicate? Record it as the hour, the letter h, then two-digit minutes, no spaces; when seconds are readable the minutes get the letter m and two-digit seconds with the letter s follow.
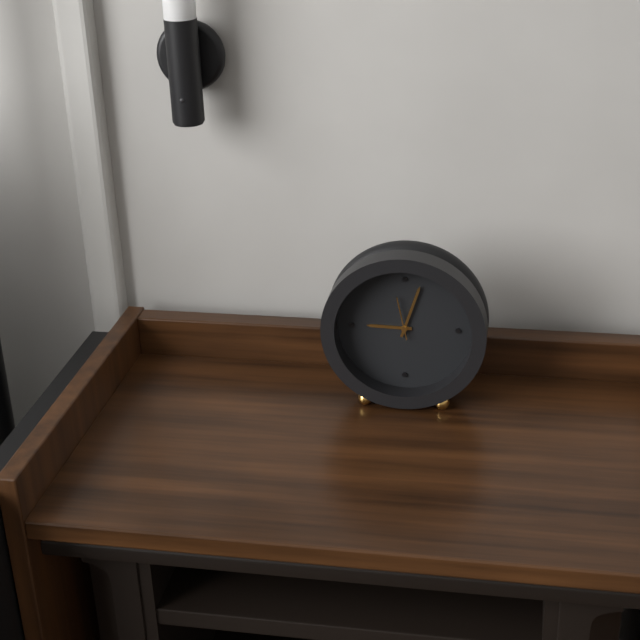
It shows 9h03
